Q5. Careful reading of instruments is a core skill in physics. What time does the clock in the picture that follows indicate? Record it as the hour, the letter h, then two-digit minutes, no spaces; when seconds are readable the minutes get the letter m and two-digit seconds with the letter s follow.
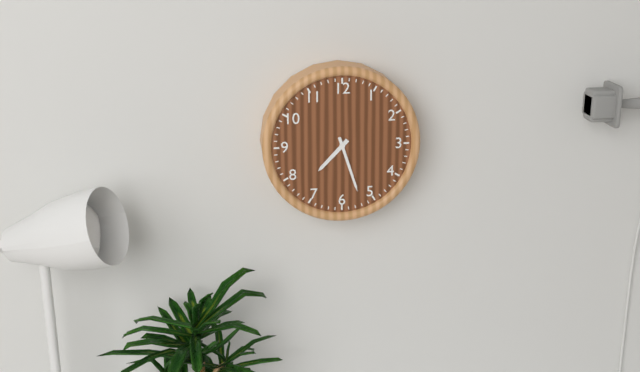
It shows 7h27
